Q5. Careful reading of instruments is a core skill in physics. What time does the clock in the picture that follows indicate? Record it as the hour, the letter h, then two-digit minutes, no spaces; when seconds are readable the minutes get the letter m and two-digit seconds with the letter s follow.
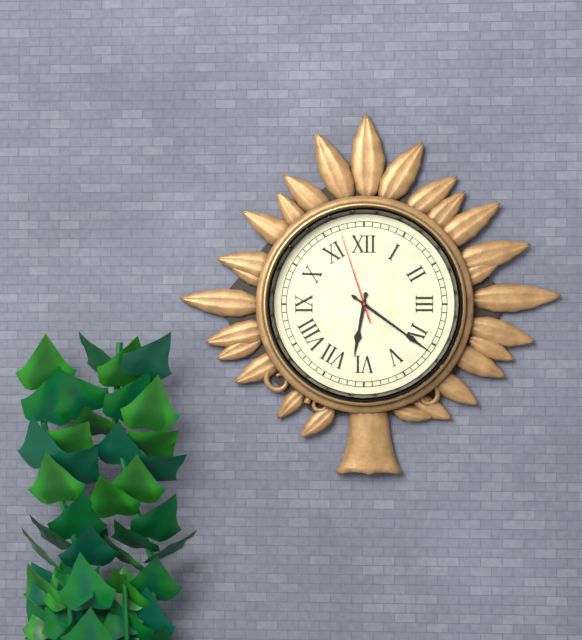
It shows 6h21m57s
